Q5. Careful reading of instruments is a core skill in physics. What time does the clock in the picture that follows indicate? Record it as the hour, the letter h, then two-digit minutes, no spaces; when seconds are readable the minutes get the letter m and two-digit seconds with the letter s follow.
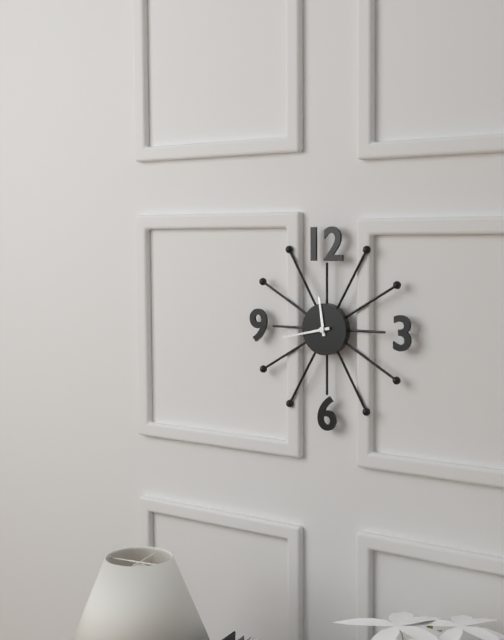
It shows 11h43
